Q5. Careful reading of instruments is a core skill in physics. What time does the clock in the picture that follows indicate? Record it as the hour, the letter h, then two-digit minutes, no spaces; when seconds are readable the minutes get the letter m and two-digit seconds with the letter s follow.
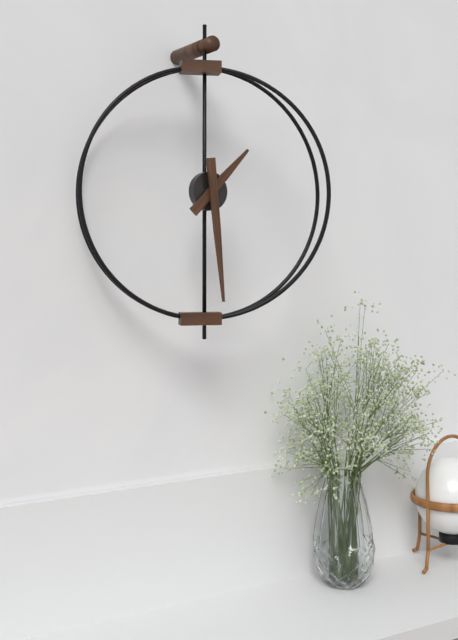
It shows 1h29
